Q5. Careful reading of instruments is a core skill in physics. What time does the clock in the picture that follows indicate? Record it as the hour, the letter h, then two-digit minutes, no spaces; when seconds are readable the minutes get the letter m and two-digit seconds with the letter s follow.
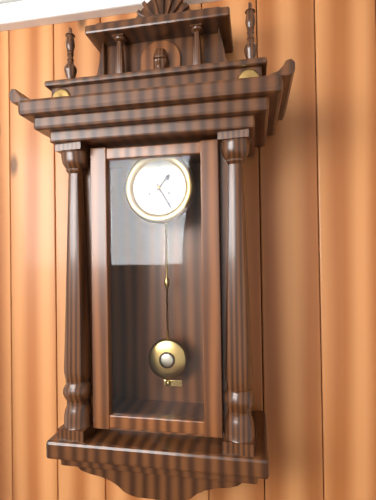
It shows 1h25
